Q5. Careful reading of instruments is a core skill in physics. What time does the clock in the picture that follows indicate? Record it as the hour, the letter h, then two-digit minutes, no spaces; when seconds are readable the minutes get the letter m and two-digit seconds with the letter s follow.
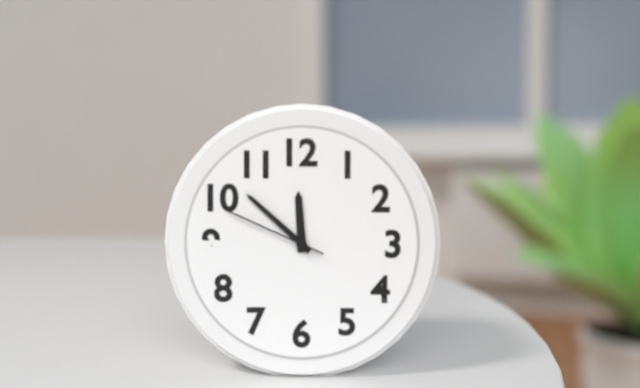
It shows 11h52m49s
